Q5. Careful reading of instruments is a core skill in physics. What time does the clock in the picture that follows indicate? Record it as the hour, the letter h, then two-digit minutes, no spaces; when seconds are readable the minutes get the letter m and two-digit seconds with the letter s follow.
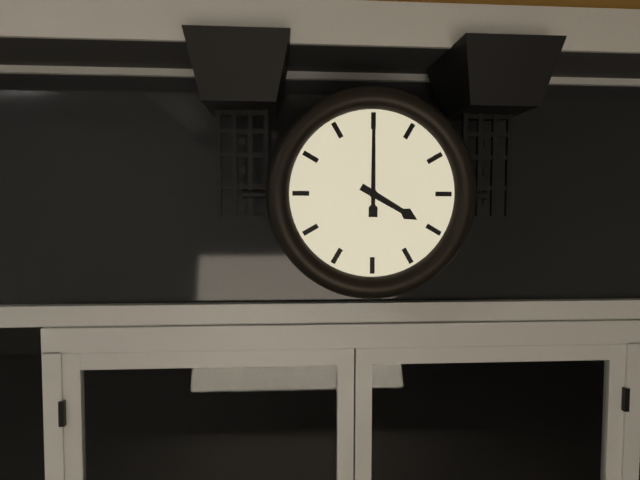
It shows 4h00
